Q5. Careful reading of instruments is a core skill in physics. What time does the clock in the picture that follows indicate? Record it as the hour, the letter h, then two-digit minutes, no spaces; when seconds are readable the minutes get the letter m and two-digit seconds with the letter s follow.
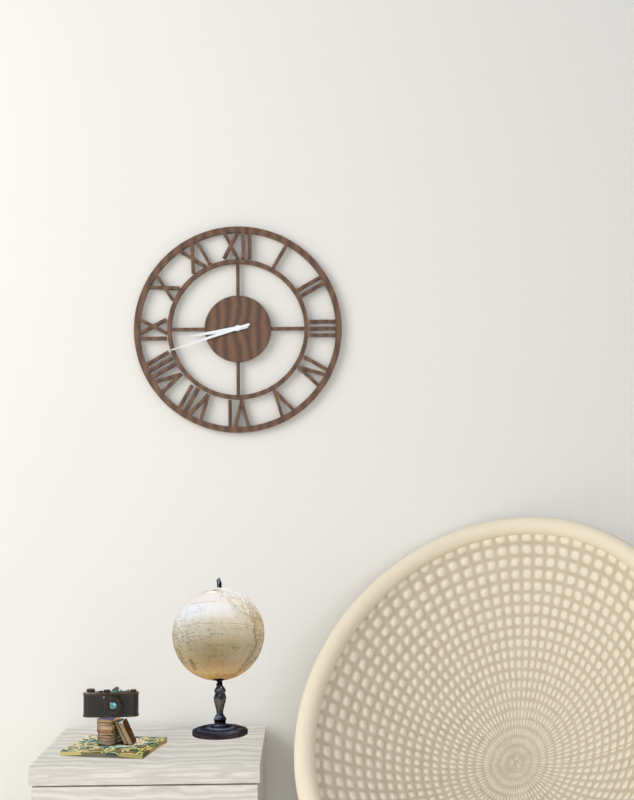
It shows 8h42
